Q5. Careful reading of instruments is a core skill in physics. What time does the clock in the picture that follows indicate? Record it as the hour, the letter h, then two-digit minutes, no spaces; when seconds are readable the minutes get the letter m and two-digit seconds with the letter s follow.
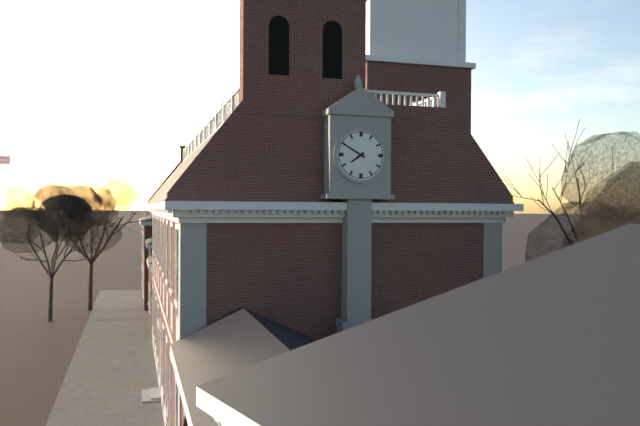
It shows 7h50
